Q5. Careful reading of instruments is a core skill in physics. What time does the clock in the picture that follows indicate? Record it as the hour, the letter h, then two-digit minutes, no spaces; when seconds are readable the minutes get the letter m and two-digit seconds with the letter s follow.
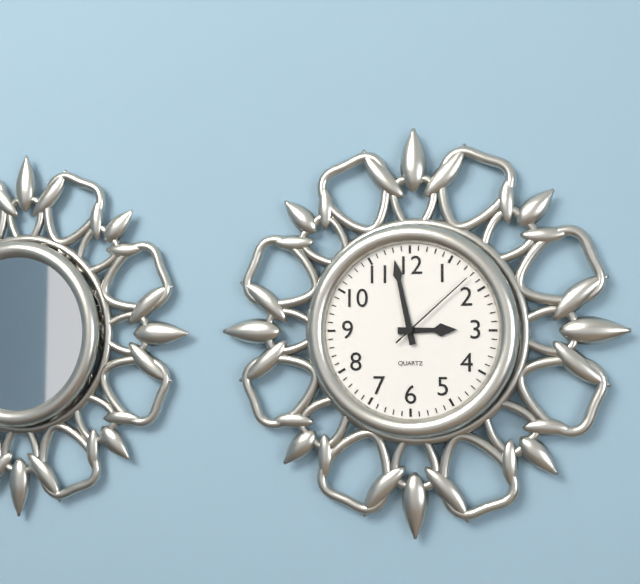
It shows 2h58m08s
